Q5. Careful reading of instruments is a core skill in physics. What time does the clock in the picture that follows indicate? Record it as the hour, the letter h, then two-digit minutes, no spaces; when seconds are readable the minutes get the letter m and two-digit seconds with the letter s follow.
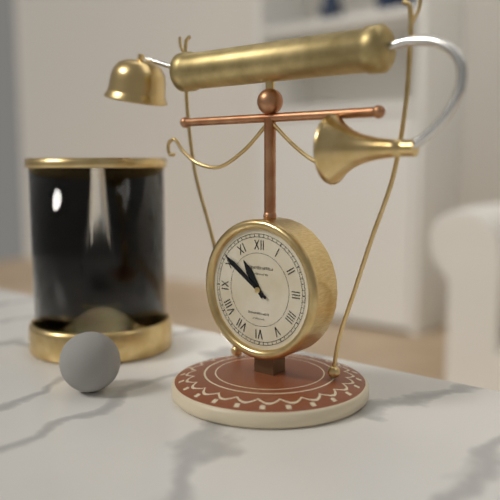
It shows 10h51
